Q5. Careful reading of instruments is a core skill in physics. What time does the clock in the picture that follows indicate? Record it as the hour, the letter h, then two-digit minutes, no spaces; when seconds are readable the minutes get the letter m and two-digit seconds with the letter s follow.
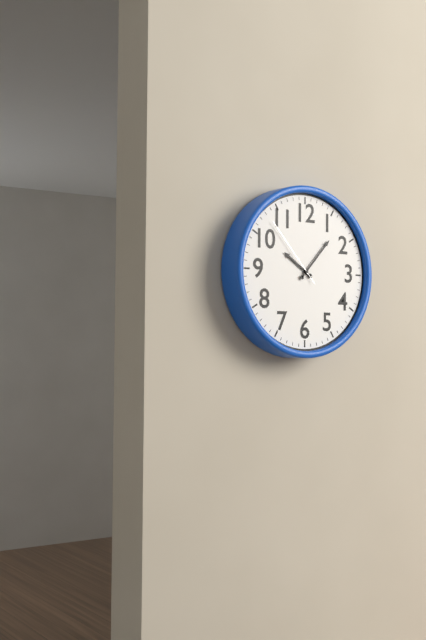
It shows 10h07m53s
